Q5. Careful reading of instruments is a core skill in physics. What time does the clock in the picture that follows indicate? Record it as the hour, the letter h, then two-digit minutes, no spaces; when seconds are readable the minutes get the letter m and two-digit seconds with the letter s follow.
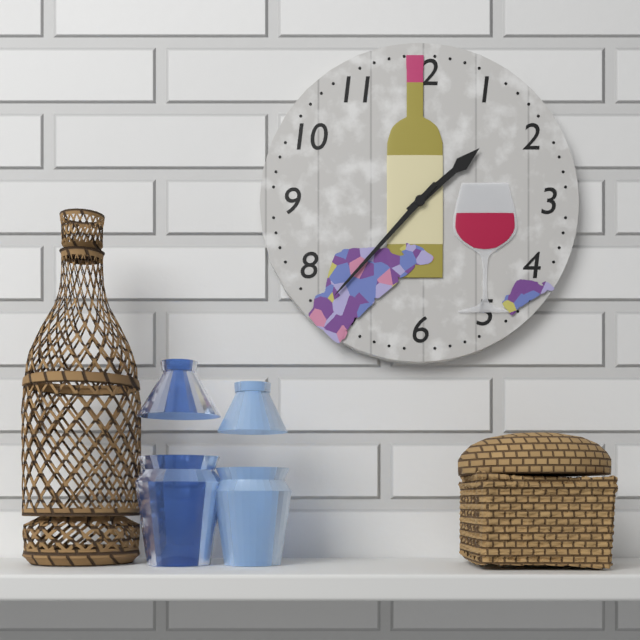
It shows 1h37
